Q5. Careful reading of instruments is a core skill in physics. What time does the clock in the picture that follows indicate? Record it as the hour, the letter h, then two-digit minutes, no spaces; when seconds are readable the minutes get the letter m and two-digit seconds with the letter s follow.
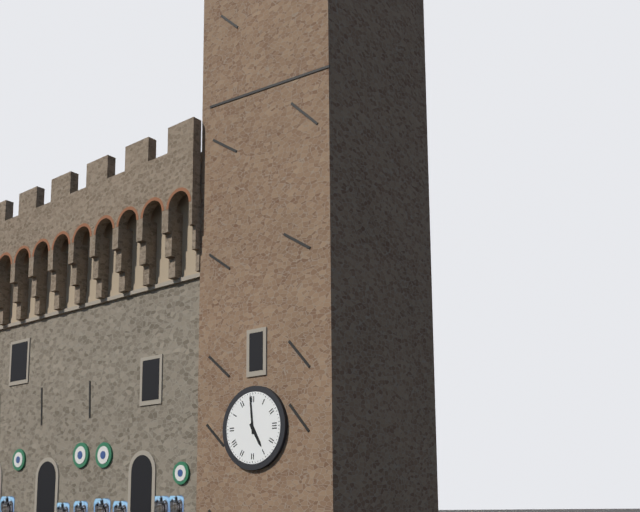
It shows 4h59
